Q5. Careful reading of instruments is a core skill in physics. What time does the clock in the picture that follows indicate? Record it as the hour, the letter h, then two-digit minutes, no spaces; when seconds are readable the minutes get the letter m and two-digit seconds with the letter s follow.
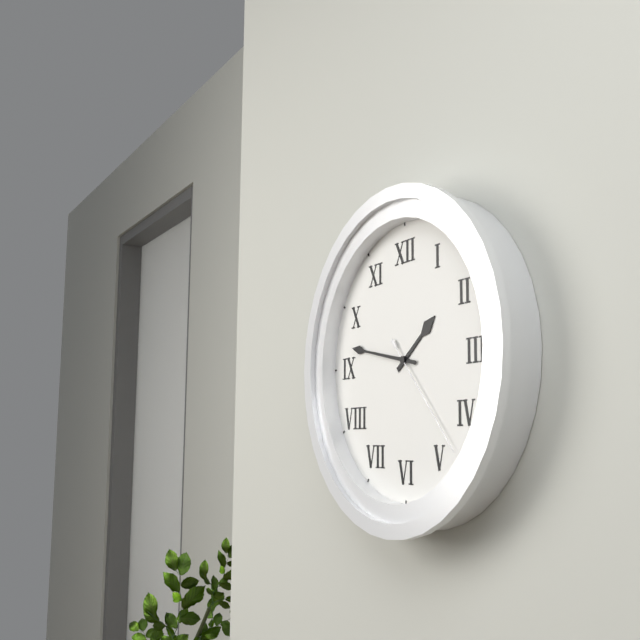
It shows 1h47m23s
